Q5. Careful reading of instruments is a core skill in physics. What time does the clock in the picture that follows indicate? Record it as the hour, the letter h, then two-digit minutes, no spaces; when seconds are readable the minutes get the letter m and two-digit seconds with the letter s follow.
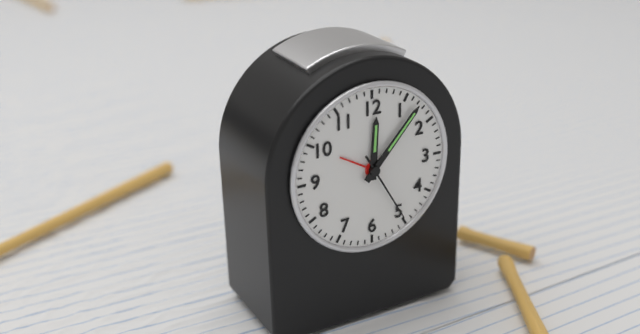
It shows 12h07m25s
